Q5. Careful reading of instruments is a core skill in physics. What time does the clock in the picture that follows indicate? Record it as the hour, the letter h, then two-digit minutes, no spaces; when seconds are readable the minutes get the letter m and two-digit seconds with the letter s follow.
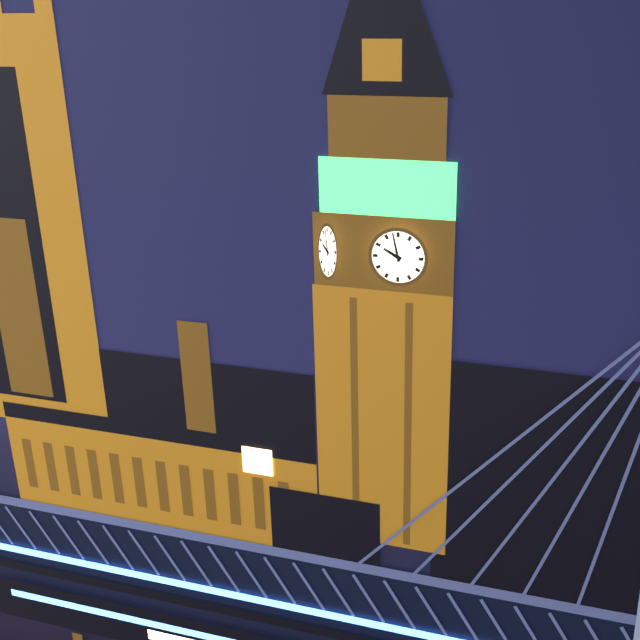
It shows 9h58
